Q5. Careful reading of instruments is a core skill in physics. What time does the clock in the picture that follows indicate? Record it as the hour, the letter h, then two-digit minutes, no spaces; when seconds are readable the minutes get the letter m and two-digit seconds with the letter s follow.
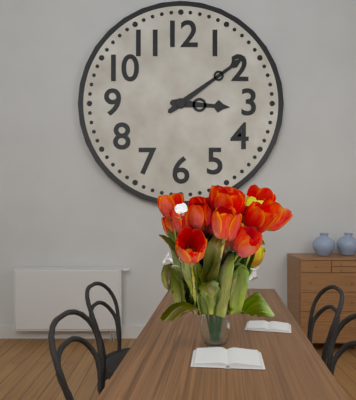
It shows 3h09
